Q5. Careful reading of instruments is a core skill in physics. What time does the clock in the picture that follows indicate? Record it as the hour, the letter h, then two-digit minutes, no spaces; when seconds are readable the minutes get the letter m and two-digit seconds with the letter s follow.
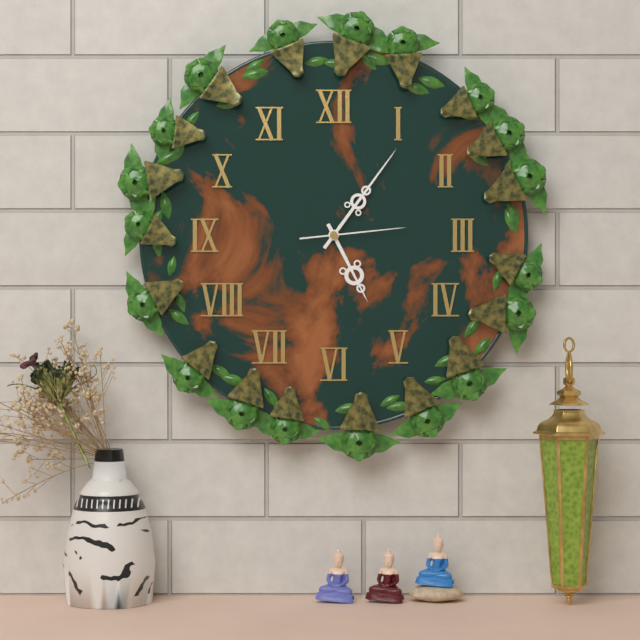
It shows 5h06m14s
